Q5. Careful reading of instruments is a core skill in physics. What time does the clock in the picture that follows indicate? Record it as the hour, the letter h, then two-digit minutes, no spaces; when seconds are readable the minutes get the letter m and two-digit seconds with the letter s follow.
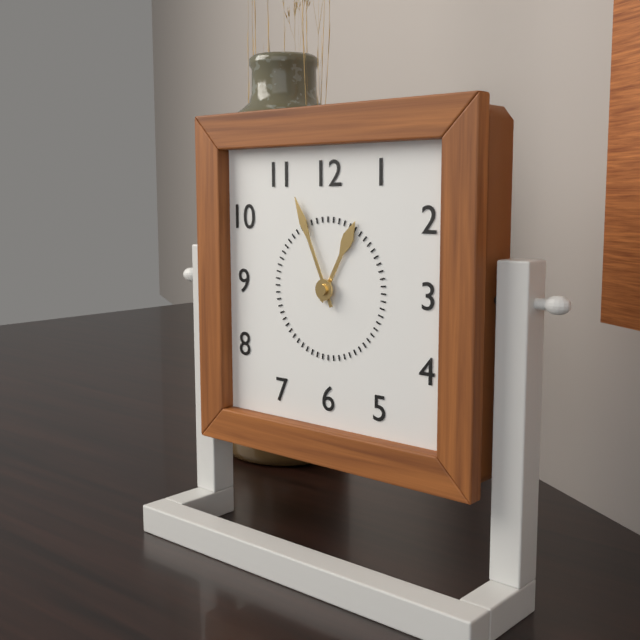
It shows 12h56
